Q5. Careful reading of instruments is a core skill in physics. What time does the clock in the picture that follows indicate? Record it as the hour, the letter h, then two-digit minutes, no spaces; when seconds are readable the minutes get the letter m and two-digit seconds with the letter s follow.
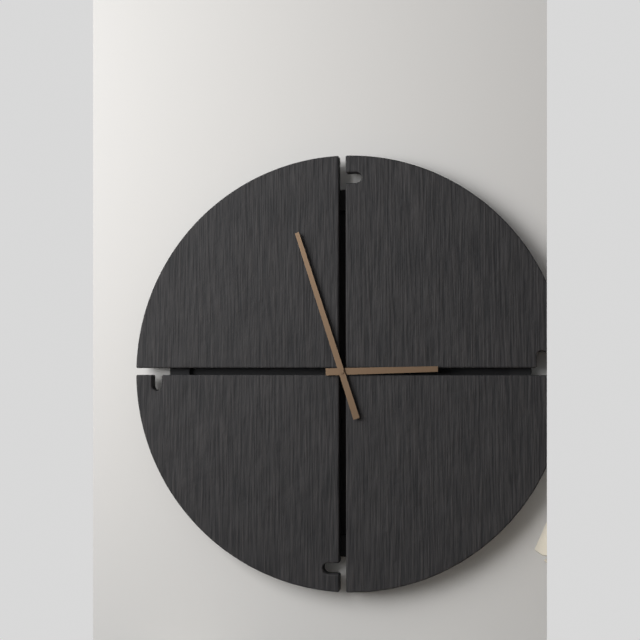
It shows 2h57
